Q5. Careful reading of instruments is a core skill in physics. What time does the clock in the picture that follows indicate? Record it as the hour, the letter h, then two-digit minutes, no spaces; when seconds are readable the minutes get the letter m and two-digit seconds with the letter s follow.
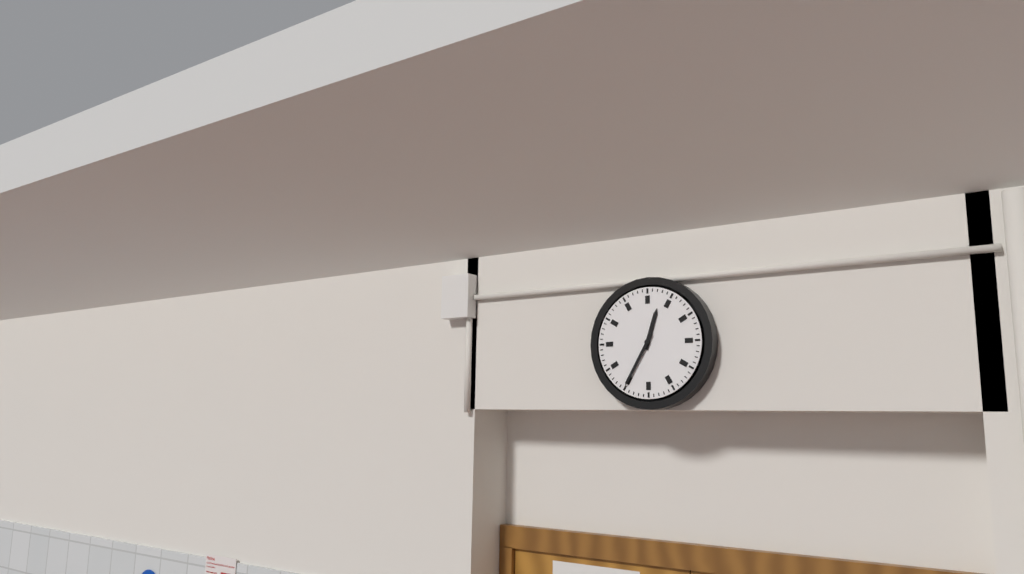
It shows 12h35
